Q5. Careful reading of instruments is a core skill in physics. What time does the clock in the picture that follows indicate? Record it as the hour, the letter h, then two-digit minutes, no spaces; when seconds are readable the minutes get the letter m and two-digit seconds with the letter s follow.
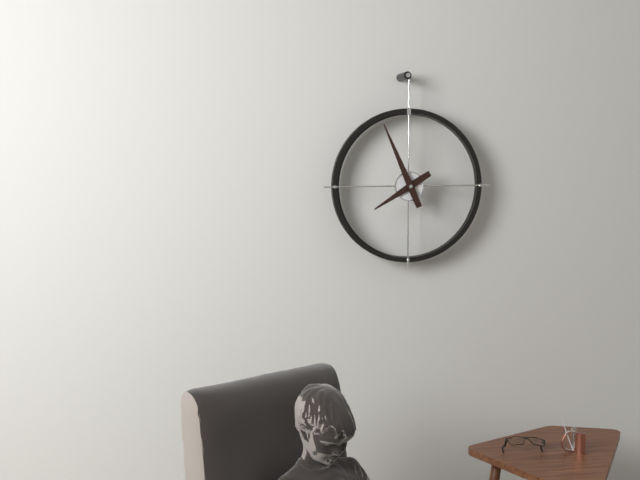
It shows 7h56
